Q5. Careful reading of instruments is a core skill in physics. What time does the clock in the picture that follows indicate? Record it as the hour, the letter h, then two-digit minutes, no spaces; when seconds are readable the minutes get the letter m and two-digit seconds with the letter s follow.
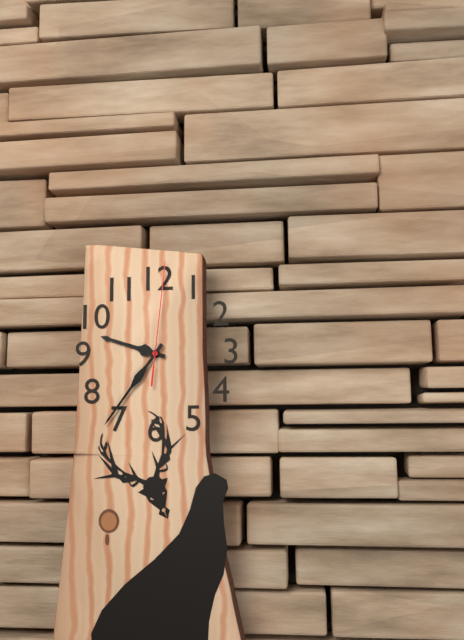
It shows 9h36m01s
